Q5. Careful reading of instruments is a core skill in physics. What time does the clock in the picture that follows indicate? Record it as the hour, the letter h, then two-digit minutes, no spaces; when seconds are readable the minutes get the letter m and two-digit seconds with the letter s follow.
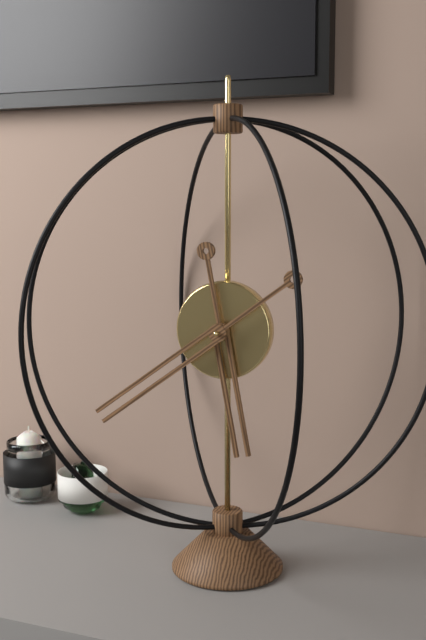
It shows 5h39
